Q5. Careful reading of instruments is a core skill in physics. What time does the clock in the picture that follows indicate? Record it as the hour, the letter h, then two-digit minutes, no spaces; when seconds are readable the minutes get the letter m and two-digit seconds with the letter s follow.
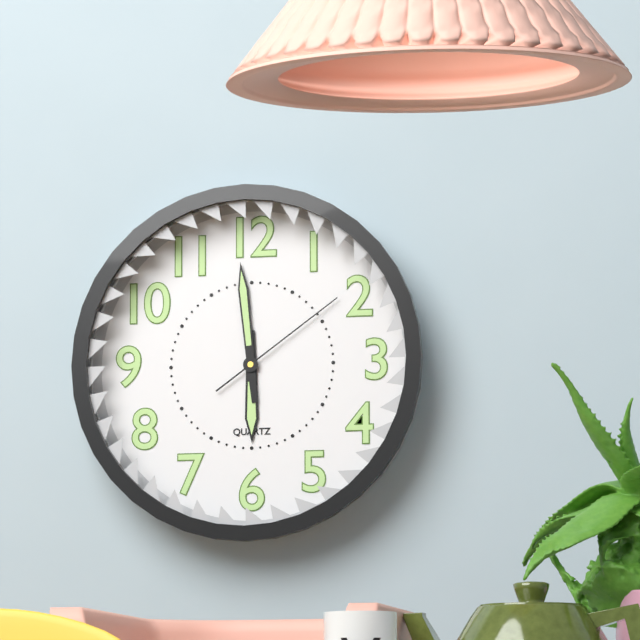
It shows 5h59m09s
